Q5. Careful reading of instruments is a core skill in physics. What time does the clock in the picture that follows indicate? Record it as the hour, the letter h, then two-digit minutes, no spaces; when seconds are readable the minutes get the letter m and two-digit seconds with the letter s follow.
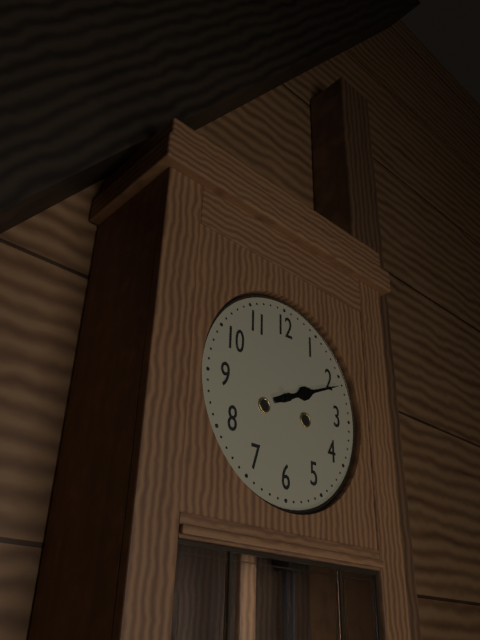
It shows 2h11
